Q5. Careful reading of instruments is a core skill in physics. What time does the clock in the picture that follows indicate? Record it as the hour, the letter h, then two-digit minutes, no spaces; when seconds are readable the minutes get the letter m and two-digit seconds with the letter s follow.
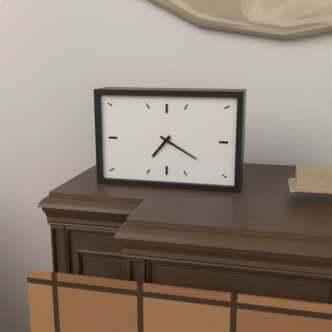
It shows 7h20
